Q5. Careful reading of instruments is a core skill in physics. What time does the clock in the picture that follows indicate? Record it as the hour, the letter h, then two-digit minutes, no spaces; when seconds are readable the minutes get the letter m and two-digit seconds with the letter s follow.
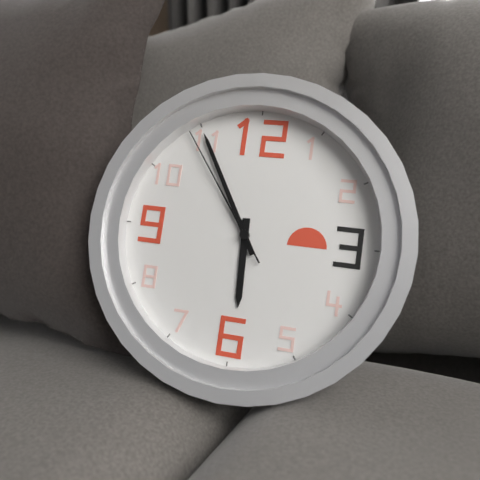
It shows 5h55m54s
